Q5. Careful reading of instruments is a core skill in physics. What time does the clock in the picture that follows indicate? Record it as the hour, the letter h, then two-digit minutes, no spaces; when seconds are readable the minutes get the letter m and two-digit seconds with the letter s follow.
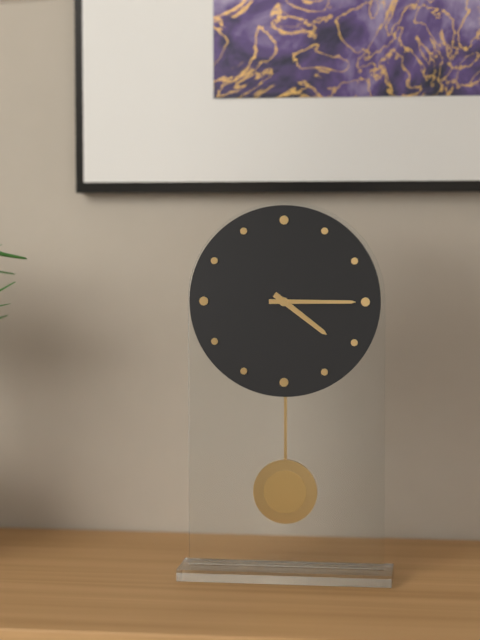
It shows 4h15
